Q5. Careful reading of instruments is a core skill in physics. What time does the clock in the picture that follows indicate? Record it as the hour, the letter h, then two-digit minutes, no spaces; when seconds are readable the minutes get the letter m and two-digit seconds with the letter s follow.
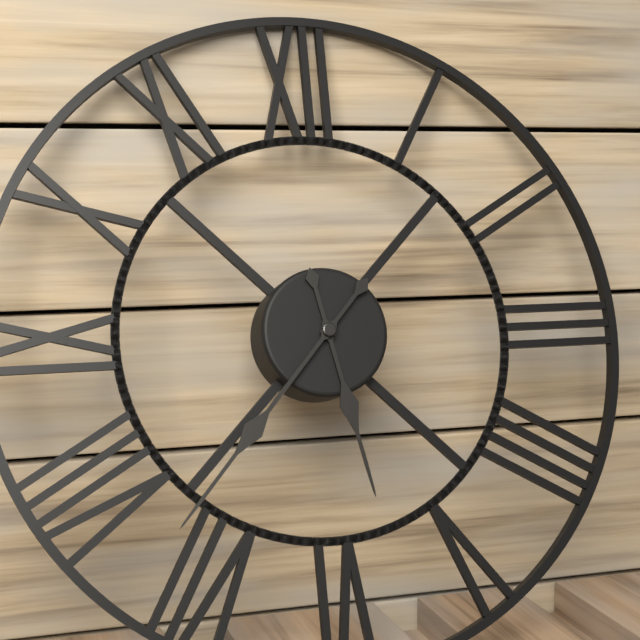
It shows 5h37
